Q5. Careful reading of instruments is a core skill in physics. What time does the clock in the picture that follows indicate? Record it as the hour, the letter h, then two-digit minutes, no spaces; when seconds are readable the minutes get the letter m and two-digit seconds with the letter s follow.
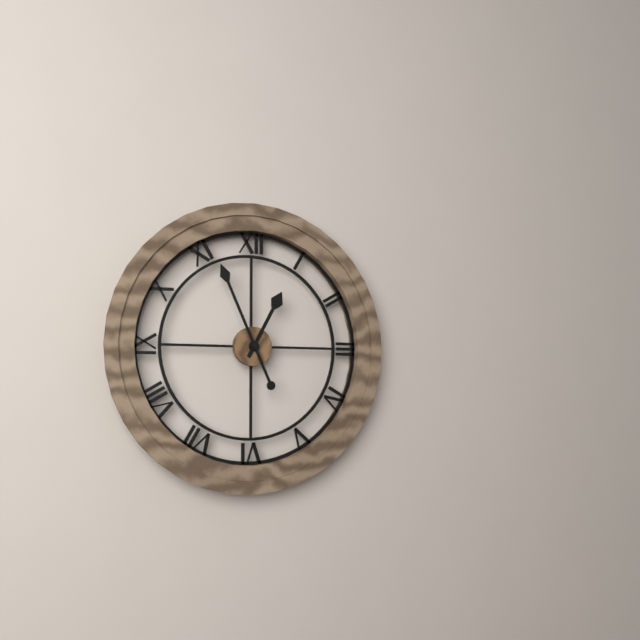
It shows 12h56
